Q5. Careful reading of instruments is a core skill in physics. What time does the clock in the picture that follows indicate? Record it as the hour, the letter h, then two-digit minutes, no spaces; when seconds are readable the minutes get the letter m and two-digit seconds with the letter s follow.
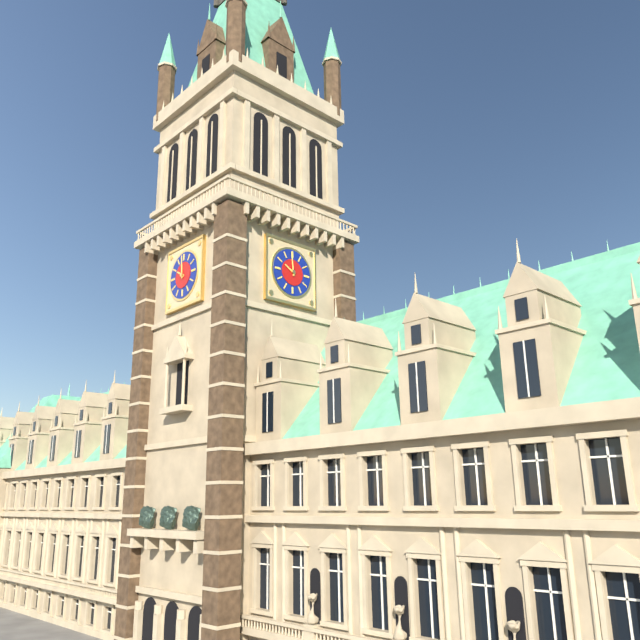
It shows 9h59
